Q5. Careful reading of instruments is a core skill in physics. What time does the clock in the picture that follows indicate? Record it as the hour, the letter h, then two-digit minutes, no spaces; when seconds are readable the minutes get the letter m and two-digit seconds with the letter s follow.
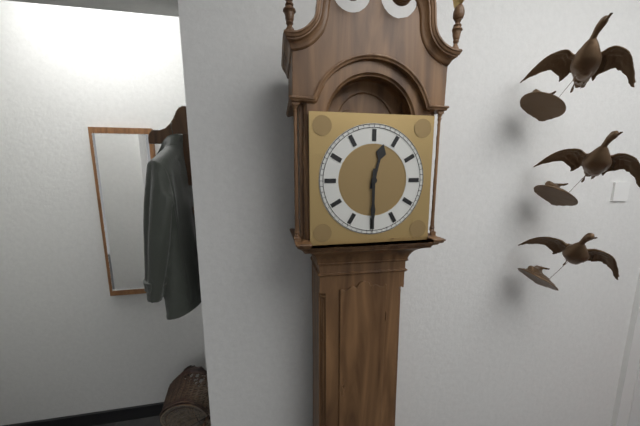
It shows 12h30
